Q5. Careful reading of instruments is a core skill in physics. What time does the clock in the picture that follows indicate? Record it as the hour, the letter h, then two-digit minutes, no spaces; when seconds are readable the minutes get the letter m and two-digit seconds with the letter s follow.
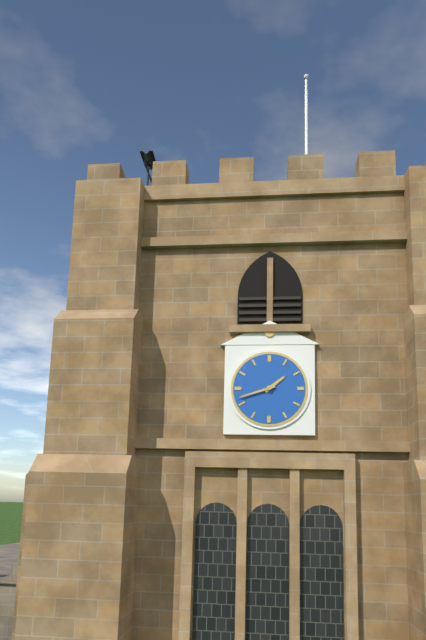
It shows 1h42
